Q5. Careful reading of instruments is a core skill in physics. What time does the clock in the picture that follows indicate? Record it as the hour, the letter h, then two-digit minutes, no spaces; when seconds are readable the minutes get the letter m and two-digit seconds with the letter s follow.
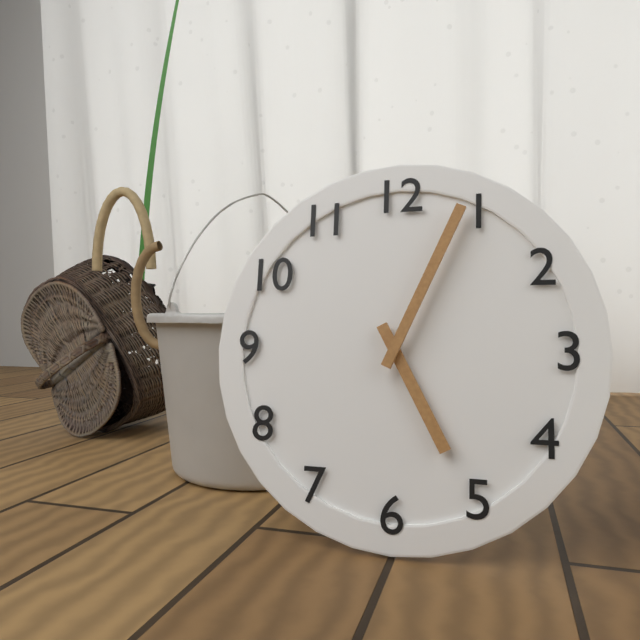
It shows 5h04
